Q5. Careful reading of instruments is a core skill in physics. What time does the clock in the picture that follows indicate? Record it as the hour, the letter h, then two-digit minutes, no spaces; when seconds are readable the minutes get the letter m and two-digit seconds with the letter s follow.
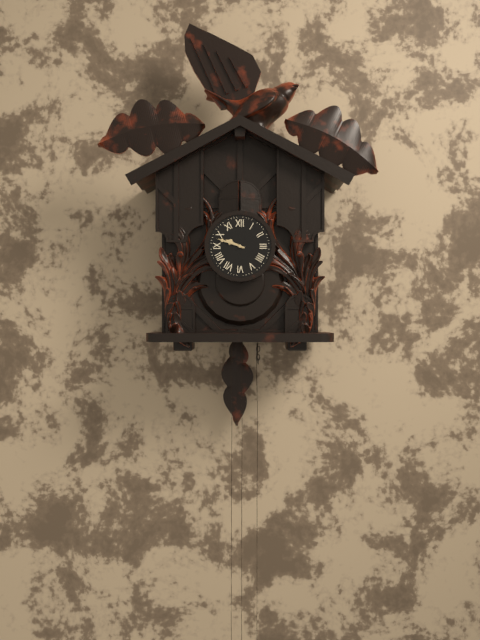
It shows 9h48
